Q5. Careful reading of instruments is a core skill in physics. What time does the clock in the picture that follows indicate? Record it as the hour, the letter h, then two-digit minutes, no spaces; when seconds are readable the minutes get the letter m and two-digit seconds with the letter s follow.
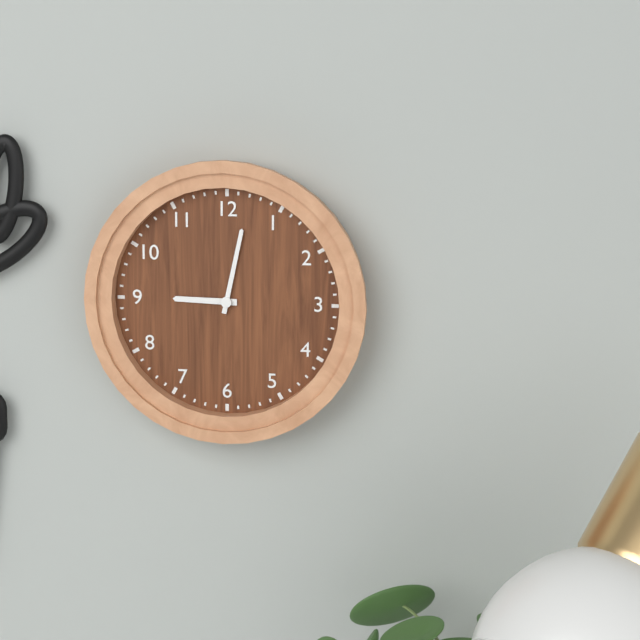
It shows 9h02
